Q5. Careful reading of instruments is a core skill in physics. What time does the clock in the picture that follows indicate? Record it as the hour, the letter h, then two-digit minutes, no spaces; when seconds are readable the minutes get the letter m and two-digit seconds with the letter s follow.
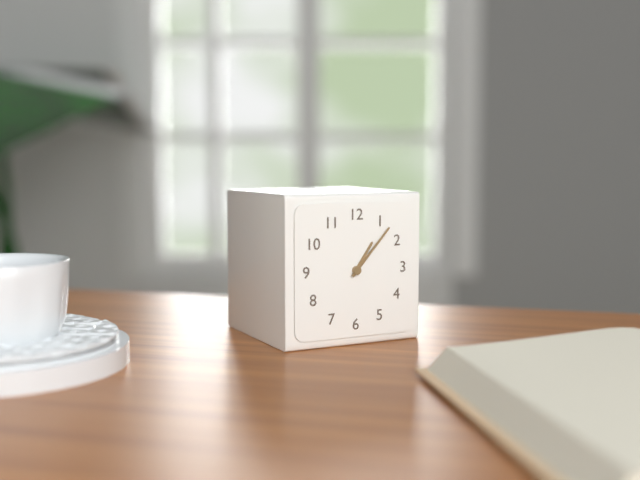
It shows 1h07
